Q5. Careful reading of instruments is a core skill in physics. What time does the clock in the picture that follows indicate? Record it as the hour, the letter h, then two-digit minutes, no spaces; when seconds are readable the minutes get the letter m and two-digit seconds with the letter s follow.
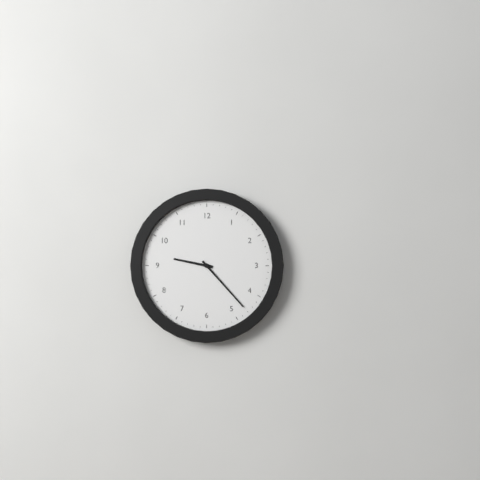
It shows 9h23
